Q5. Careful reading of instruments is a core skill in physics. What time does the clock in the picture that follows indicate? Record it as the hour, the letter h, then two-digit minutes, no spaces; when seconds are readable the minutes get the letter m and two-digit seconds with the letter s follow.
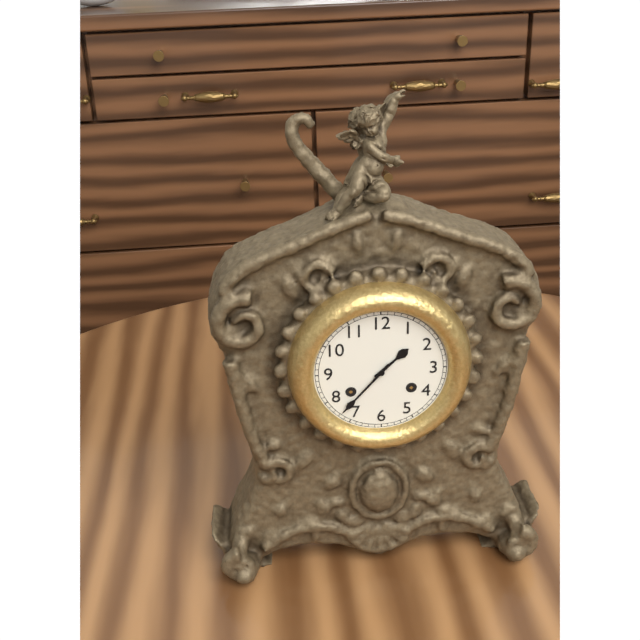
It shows 1h37
